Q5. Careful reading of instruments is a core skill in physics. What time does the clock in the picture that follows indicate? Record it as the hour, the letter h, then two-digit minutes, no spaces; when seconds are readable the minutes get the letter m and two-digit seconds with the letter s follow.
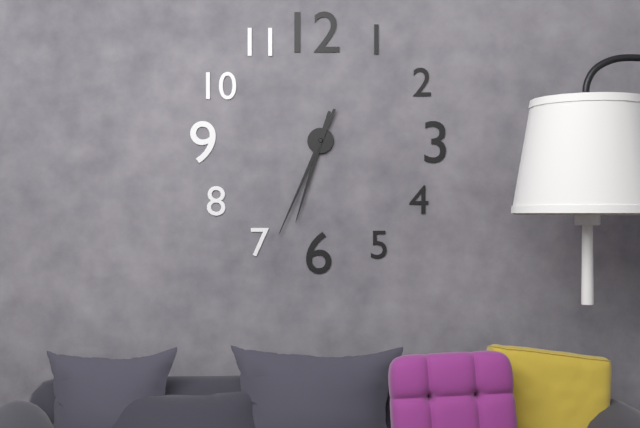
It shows 6h34
